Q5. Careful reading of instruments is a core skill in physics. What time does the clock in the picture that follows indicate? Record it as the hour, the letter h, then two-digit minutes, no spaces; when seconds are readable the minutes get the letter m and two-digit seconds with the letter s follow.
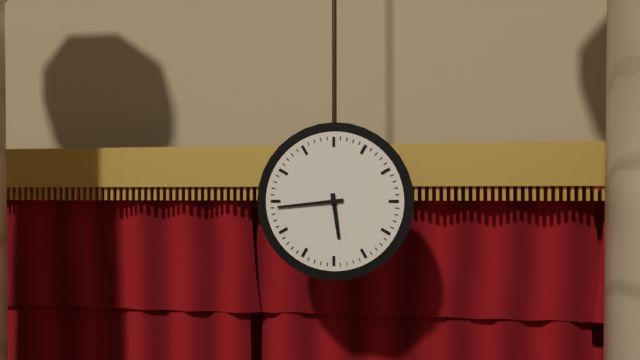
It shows 5h44
